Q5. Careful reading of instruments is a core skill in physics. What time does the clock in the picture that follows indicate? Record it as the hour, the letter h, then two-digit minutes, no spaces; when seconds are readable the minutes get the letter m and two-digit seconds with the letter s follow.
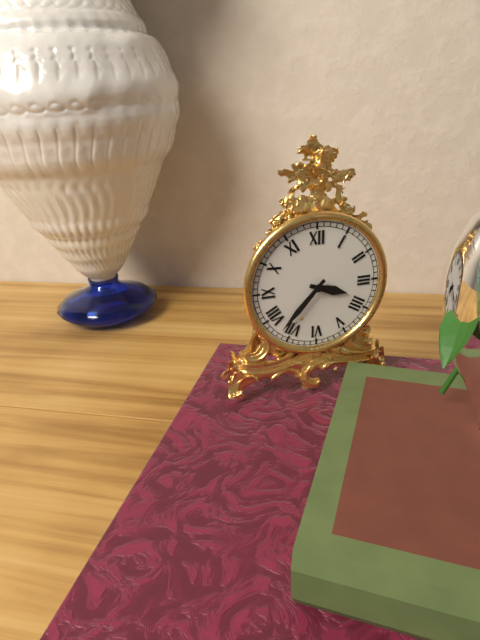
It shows 3h37
